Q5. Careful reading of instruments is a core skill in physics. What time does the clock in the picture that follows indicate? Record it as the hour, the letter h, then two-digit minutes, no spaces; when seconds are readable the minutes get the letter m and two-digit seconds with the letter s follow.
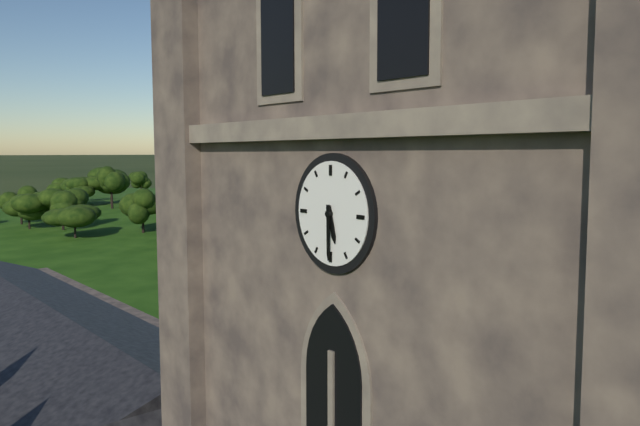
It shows 5h30
